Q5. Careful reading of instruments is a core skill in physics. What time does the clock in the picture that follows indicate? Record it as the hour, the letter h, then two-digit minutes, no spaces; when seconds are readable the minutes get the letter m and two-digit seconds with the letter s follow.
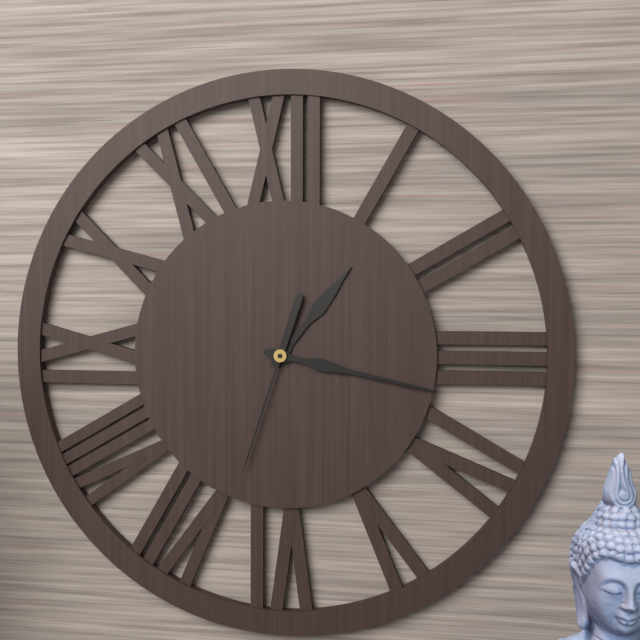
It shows 1h17m33s
